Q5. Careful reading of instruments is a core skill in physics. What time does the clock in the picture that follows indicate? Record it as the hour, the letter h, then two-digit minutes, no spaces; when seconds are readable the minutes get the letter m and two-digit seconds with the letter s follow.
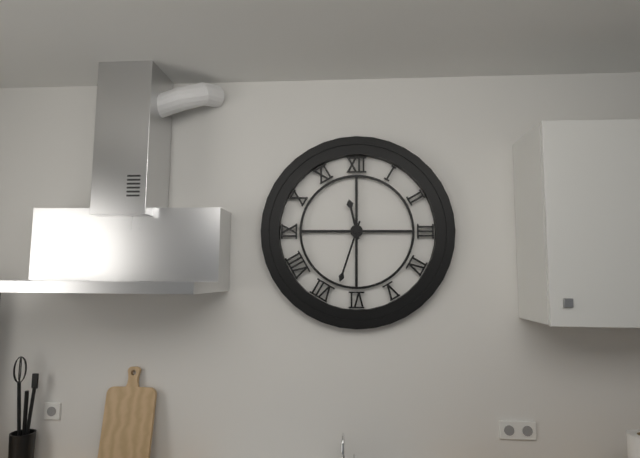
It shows 11h33
